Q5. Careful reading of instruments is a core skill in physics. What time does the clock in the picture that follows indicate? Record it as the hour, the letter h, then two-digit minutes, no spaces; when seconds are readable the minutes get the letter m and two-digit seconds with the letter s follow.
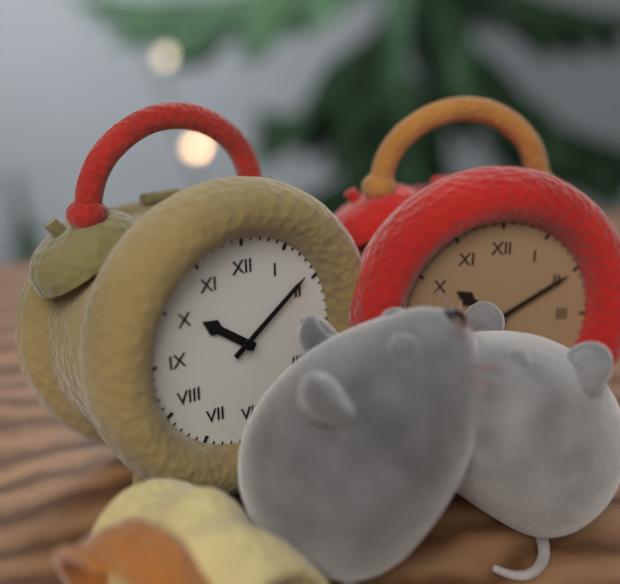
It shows 10h09
